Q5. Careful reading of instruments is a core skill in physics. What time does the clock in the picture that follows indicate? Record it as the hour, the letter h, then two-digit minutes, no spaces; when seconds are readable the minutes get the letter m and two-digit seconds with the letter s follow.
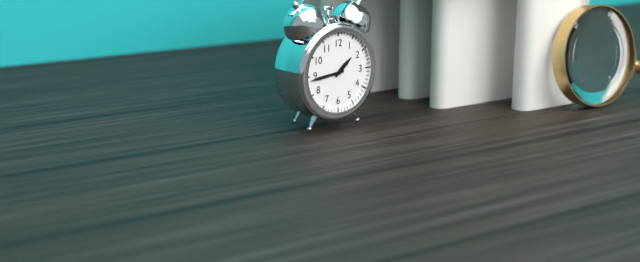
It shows 1h44
